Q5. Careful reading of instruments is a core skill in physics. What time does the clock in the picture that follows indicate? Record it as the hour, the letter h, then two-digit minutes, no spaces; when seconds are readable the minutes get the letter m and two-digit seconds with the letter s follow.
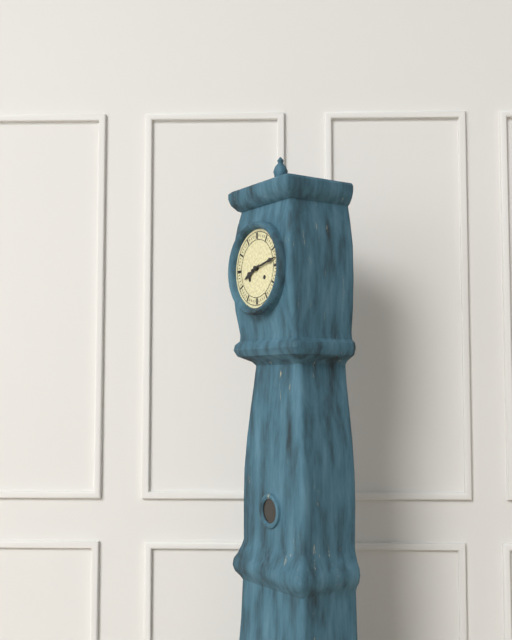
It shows 8h13
